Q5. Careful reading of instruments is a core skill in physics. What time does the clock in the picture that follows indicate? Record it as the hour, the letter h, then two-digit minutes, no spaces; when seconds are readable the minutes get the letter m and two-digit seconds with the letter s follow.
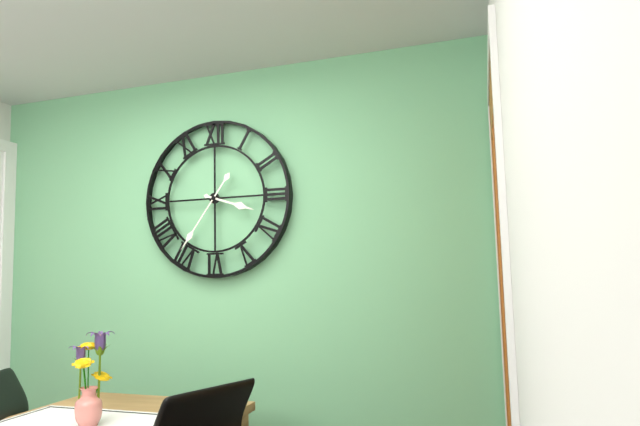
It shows 3h36
